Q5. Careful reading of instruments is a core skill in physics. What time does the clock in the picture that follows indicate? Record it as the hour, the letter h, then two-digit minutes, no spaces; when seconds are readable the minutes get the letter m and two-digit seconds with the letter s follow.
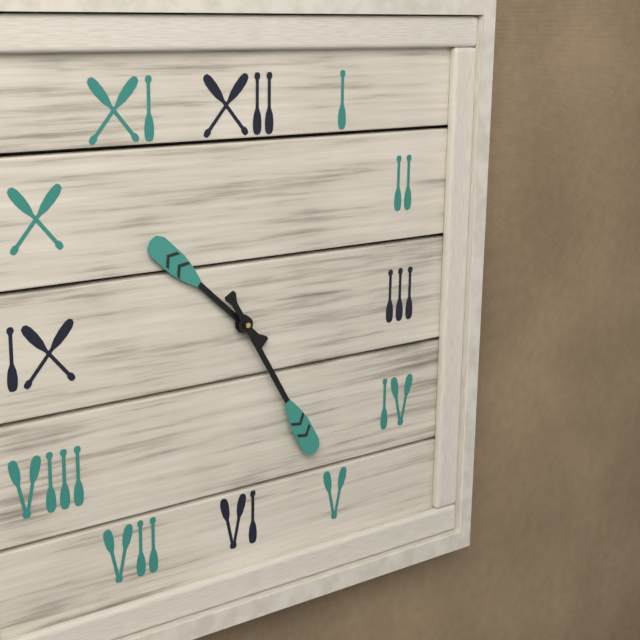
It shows 10h25
